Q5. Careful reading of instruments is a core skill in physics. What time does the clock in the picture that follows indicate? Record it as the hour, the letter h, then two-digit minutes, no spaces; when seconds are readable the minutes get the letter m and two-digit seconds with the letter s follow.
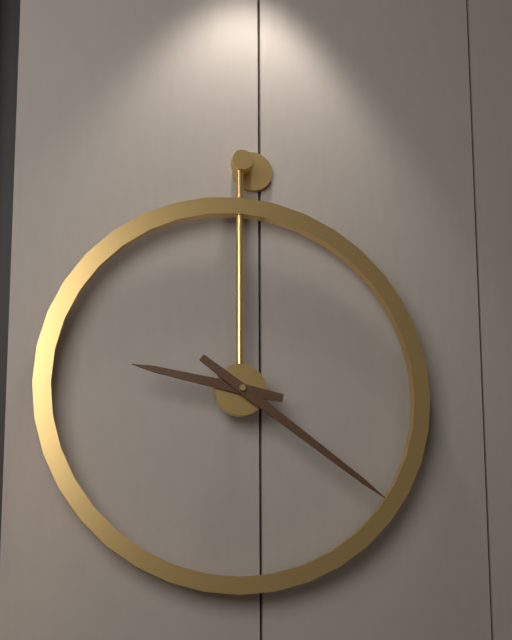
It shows 9h21
